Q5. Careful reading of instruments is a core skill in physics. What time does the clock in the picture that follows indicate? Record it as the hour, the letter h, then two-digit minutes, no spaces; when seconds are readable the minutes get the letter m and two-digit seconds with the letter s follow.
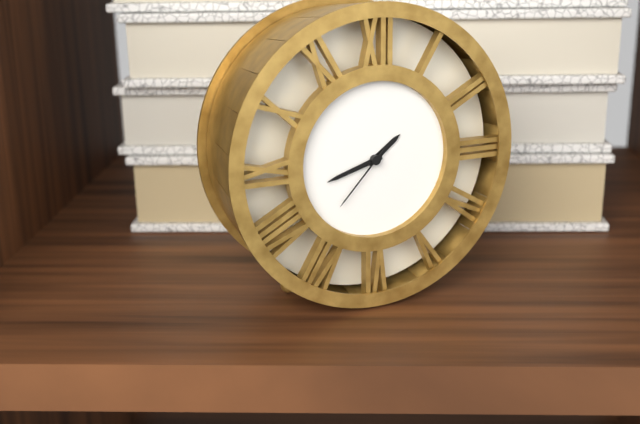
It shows 1h42m37s
